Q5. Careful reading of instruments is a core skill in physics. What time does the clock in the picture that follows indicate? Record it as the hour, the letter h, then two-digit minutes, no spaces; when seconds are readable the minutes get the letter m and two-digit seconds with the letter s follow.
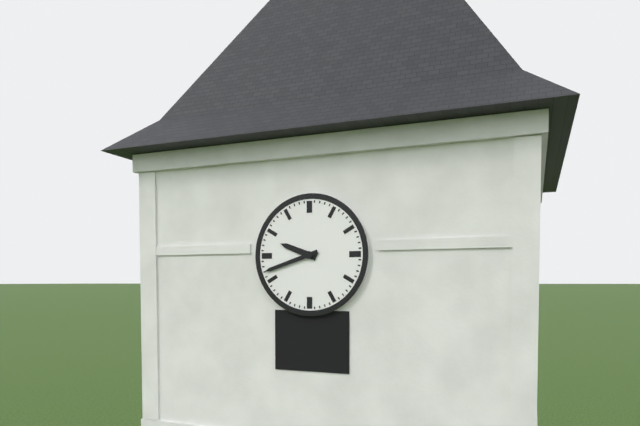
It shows 9h42
